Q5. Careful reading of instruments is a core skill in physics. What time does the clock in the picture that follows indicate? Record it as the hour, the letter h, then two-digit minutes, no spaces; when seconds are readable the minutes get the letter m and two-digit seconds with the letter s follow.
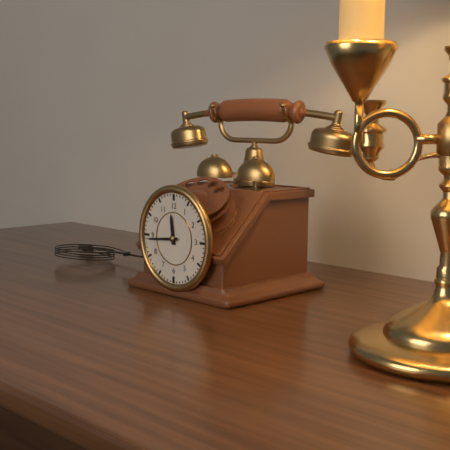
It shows 11h44
